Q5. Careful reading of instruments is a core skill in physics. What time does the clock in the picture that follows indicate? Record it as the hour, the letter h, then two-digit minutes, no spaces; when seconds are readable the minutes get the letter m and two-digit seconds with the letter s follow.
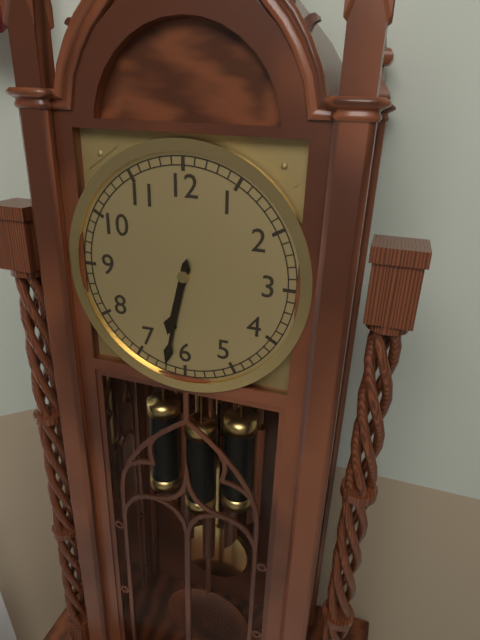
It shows 6h32
